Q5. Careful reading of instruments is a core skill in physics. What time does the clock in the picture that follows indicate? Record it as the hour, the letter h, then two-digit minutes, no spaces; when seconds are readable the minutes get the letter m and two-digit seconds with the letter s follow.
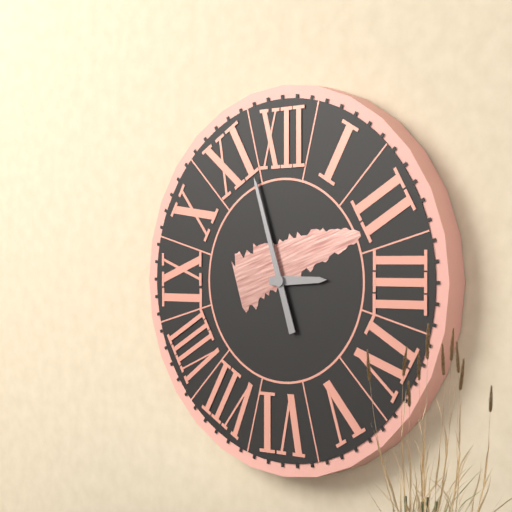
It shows 2h57
